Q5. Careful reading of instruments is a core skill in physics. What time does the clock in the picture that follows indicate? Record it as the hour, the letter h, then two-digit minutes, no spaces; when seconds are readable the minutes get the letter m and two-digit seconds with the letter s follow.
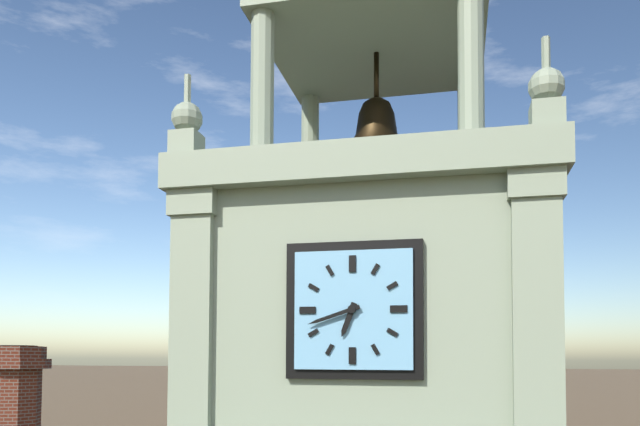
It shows 6h42
